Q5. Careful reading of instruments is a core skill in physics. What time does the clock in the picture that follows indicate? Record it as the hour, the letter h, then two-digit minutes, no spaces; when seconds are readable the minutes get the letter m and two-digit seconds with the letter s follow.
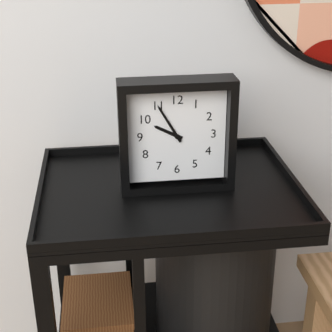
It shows 9h55
